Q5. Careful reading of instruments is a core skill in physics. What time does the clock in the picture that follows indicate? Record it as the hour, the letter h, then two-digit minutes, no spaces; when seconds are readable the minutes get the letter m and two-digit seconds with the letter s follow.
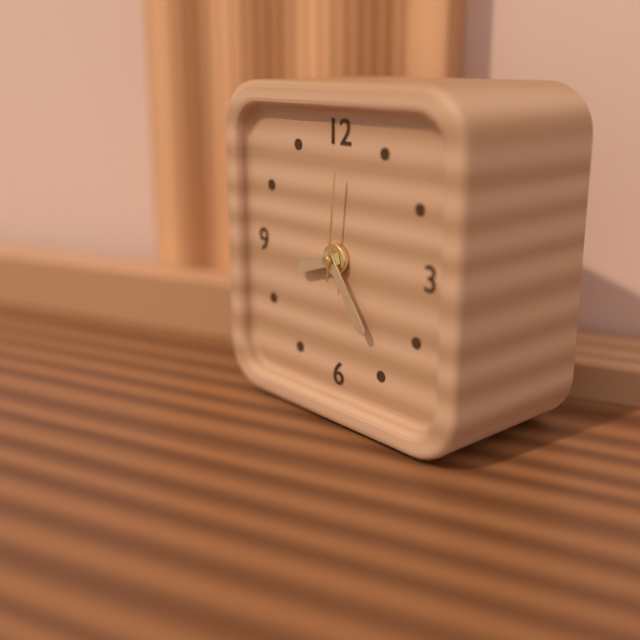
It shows 8h24m01s
